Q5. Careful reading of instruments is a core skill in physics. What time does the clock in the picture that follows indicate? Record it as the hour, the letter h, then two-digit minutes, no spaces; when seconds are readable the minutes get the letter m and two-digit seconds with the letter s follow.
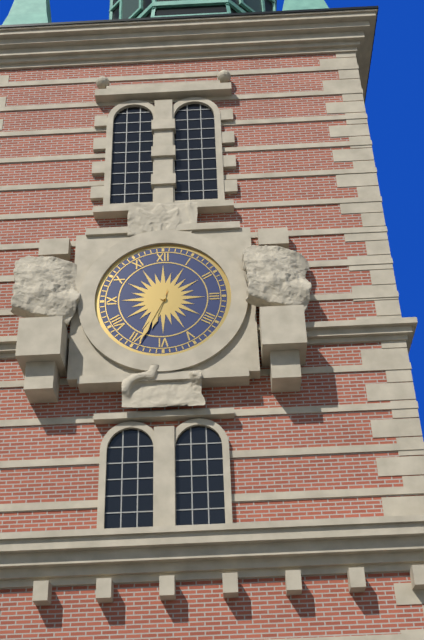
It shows 6h34
